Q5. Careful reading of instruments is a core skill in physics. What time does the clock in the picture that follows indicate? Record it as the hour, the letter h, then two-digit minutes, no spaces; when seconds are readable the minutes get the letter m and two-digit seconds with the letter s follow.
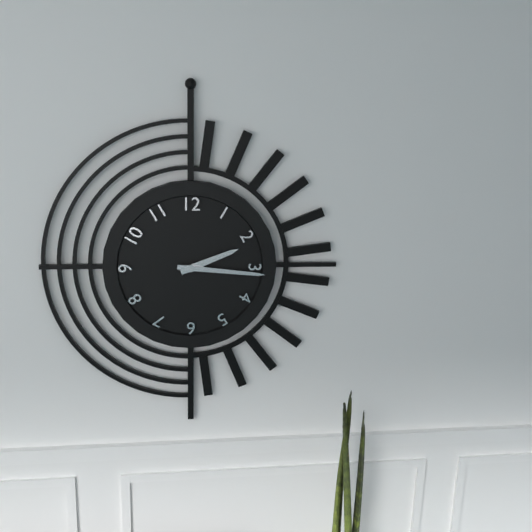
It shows 2h16
